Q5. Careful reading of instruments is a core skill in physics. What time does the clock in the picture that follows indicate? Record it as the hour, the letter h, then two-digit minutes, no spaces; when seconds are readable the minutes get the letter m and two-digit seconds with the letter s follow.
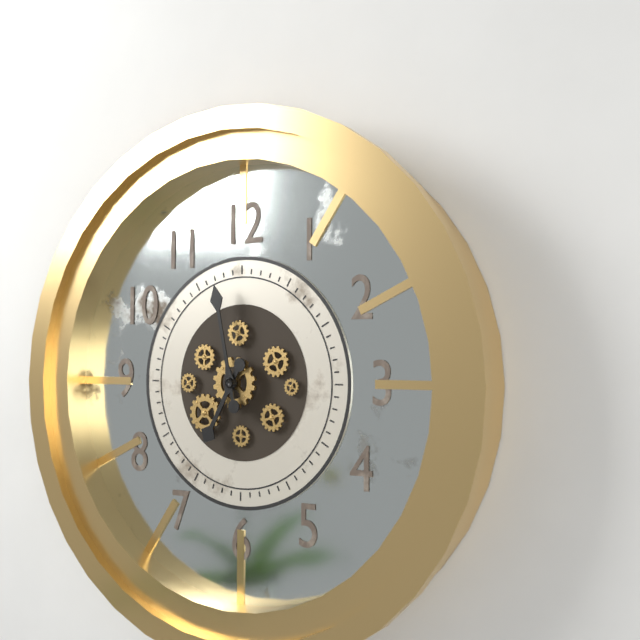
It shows 6h58
